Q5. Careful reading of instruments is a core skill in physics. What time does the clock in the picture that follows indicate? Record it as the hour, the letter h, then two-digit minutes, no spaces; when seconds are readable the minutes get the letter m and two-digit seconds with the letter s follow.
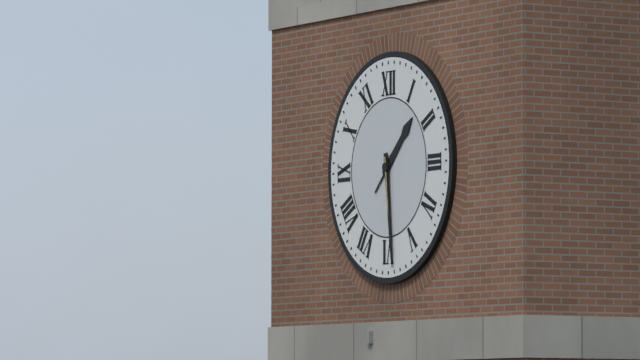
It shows 1h29m29s
